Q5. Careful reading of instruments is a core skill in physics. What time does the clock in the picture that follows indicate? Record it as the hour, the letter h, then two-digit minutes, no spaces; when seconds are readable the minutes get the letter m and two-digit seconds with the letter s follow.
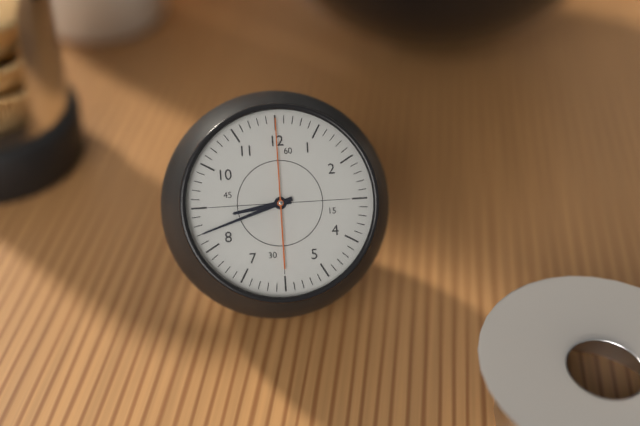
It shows 8h42m00s
